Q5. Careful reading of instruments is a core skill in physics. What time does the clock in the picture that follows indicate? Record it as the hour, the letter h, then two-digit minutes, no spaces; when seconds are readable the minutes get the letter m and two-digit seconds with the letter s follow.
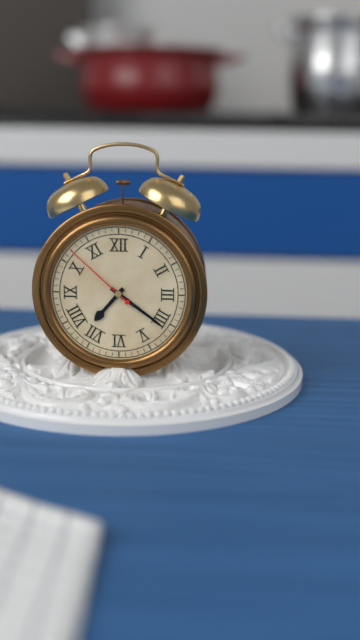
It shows 7h21m52s
